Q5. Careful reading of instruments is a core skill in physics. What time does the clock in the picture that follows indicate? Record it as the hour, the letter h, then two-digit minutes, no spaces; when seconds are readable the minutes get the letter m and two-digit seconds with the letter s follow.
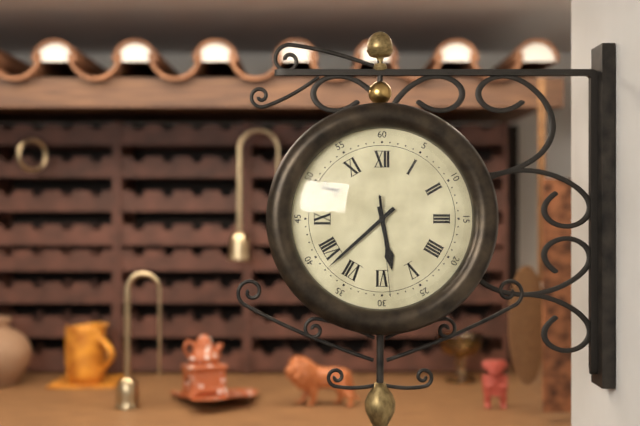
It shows 5h38m29s
